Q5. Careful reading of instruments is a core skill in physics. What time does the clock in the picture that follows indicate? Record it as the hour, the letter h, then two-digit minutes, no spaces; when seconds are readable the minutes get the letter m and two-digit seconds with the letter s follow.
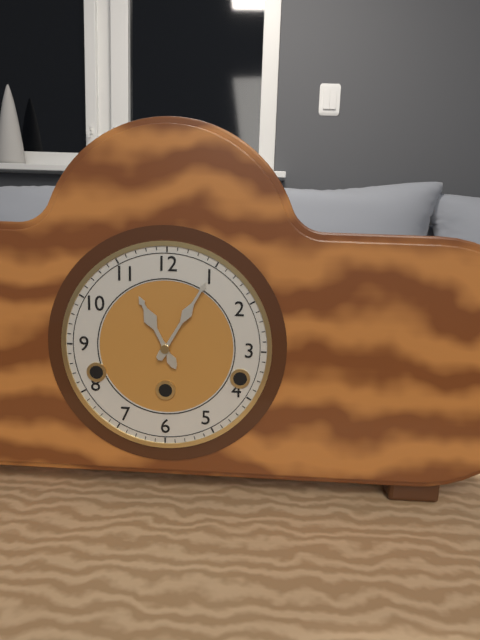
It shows 11h05
